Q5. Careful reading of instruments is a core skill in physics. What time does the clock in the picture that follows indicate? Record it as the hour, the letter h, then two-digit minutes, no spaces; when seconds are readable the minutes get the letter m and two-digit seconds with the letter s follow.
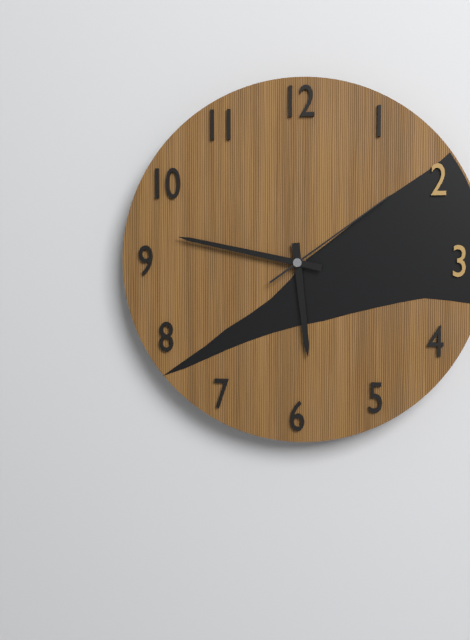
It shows 5h47m09s
